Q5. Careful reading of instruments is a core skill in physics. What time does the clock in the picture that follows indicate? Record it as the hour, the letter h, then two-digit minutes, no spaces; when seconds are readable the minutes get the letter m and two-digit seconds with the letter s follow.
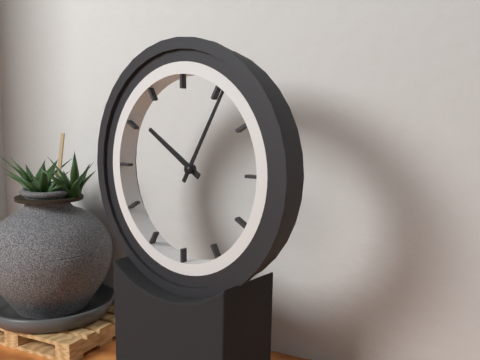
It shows 10h05
